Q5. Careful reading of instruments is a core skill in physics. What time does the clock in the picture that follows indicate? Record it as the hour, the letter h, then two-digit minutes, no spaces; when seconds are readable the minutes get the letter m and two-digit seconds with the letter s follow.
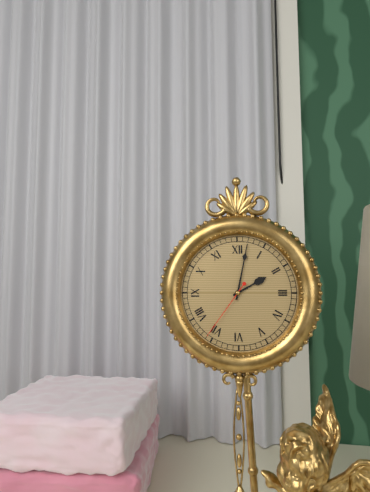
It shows 2h02m36s
